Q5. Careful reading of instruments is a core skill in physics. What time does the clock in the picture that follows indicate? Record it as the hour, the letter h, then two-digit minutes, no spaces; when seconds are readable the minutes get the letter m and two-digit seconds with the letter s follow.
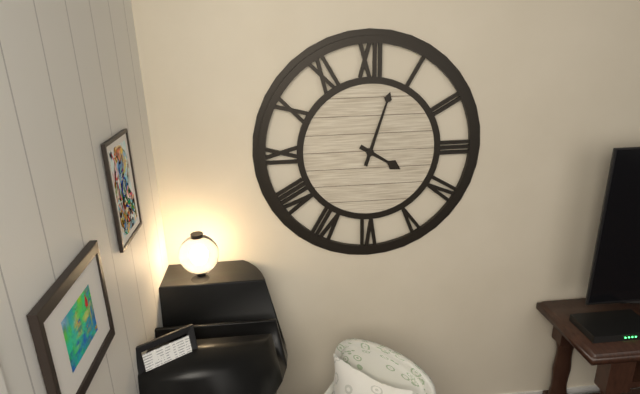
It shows 4h03
